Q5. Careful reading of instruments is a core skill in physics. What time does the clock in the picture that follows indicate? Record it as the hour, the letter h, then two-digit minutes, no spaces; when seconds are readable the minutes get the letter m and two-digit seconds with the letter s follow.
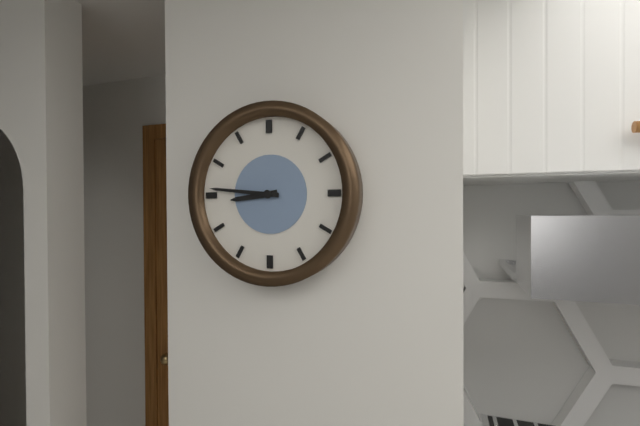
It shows 8h46
